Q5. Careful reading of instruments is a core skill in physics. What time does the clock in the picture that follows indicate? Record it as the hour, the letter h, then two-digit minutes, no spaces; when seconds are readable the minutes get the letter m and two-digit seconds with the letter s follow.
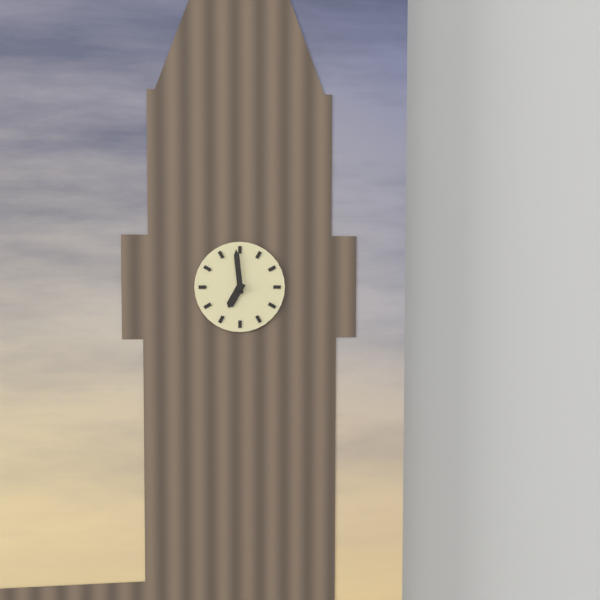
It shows 6h59
